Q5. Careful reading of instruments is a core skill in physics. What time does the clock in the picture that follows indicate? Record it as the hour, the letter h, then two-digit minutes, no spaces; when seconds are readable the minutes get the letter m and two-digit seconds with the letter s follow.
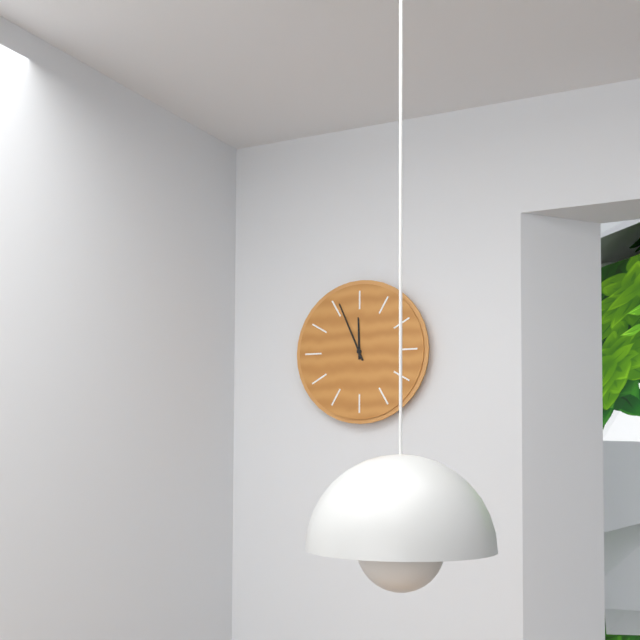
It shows 11h56
